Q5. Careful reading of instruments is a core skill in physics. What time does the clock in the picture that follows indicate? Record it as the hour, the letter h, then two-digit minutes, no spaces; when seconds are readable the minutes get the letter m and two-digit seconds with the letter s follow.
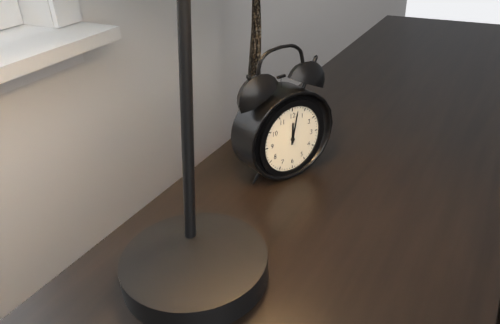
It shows 12h02
